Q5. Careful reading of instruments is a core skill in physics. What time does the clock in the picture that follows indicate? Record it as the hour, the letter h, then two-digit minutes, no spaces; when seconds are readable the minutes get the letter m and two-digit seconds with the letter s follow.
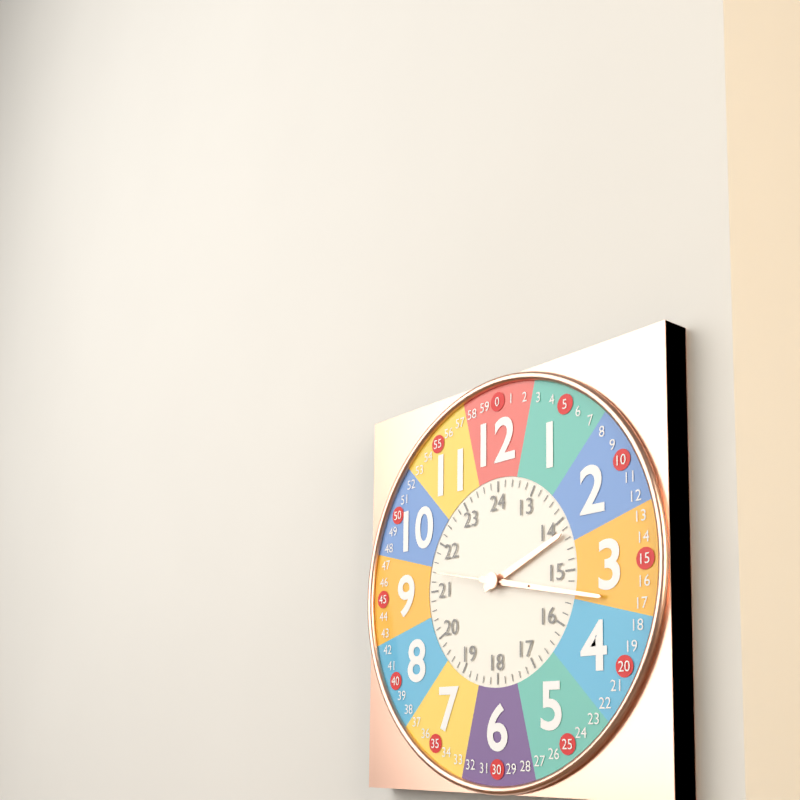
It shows 2h17m47s
